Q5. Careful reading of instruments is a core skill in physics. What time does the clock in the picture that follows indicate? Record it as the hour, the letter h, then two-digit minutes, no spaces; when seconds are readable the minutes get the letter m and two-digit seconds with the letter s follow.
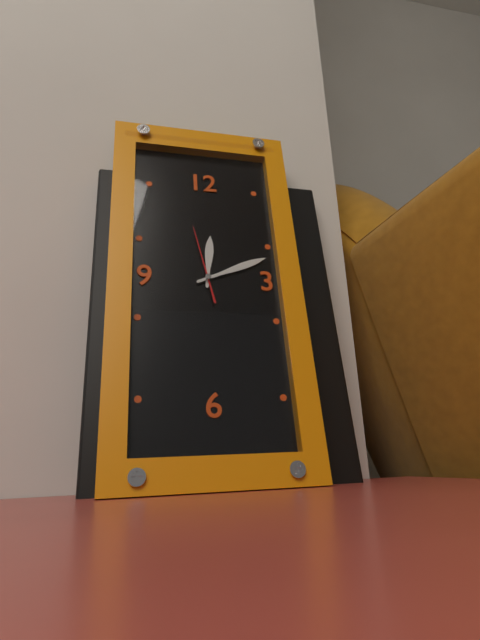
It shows 12h11m58s
